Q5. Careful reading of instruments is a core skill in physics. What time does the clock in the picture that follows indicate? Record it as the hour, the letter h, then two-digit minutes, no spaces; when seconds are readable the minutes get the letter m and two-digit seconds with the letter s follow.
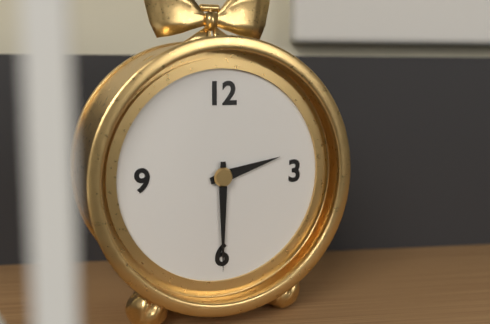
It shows 2h30
